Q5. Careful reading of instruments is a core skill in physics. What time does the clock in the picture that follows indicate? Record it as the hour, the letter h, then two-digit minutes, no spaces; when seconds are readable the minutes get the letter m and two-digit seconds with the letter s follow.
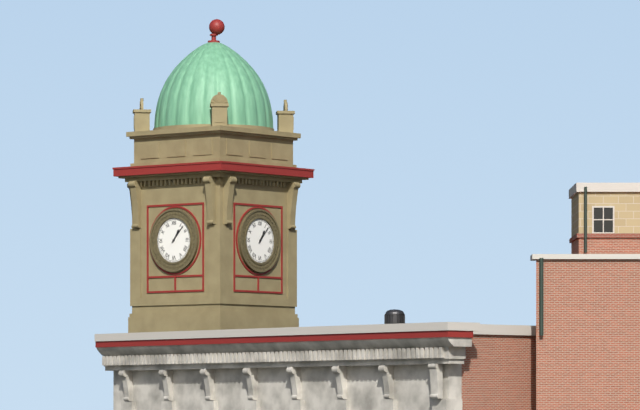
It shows 1h07
